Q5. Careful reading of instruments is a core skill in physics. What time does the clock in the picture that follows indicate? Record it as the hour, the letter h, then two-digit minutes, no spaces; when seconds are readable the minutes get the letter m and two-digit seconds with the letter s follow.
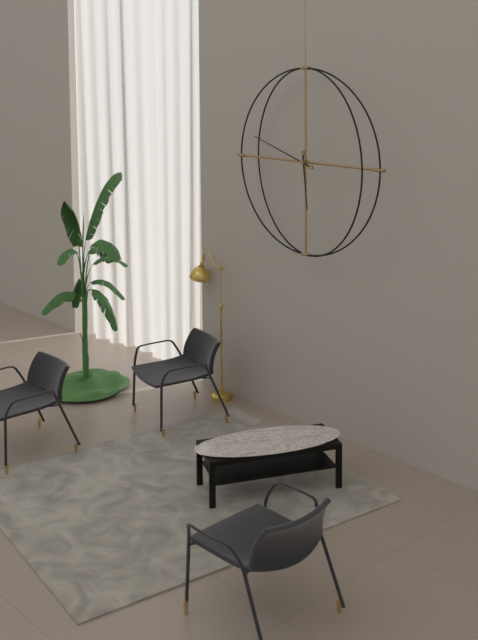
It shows 5h48
